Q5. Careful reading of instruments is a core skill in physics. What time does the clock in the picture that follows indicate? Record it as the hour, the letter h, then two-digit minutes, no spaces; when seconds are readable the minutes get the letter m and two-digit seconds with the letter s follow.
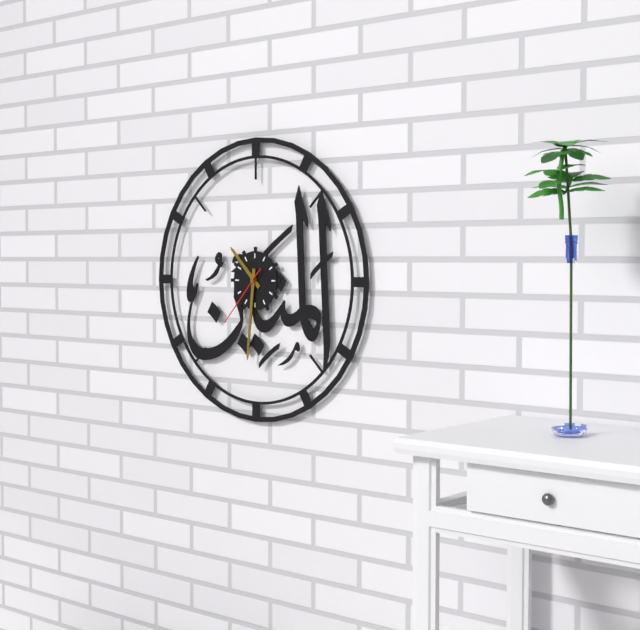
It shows 10h31m37s
